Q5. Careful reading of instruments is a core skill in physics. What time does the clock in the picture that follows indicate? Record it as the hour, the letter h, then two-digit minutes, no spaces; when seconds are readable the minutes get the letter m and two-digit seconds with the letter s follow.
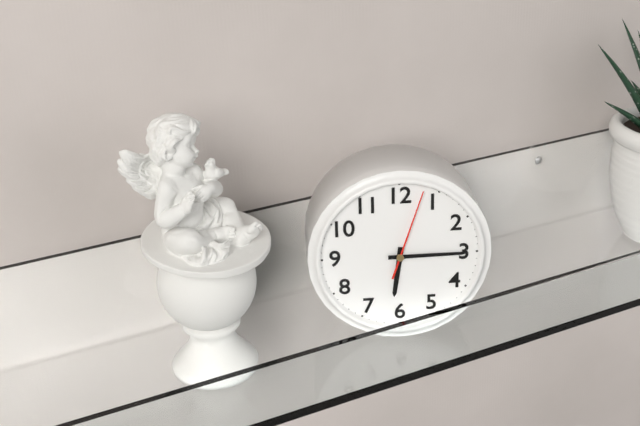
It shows 6h15m03s
